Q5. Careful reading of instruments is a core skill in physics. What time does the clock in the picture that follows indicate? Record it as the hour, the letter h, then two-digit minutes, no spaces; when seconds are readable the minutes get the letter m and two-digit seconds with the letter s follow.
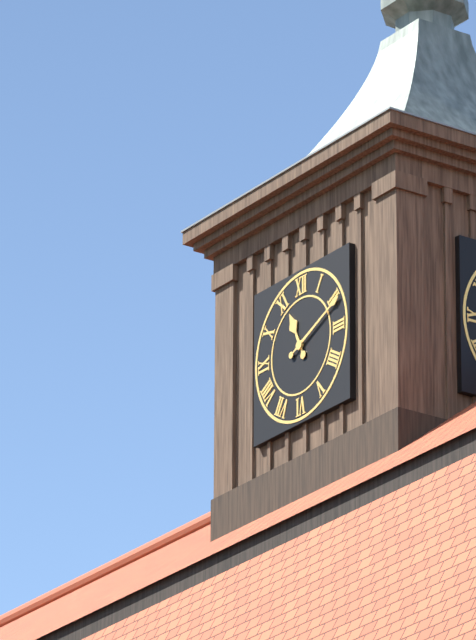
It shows 11h11
